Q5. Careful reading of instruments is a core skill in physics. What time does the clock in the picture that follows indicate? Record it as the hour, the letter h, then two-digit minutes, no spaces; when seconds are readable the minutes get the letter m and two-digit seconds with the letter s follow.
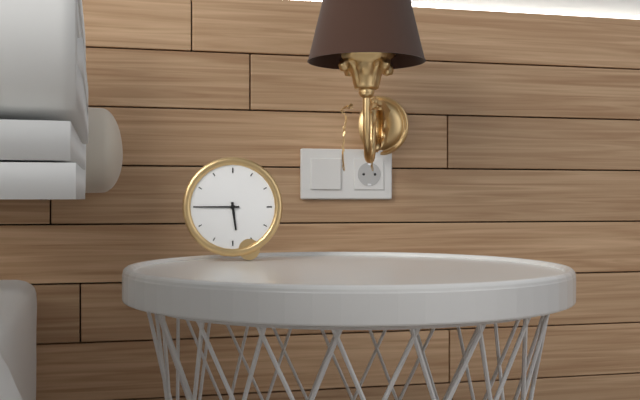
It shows 5h45
